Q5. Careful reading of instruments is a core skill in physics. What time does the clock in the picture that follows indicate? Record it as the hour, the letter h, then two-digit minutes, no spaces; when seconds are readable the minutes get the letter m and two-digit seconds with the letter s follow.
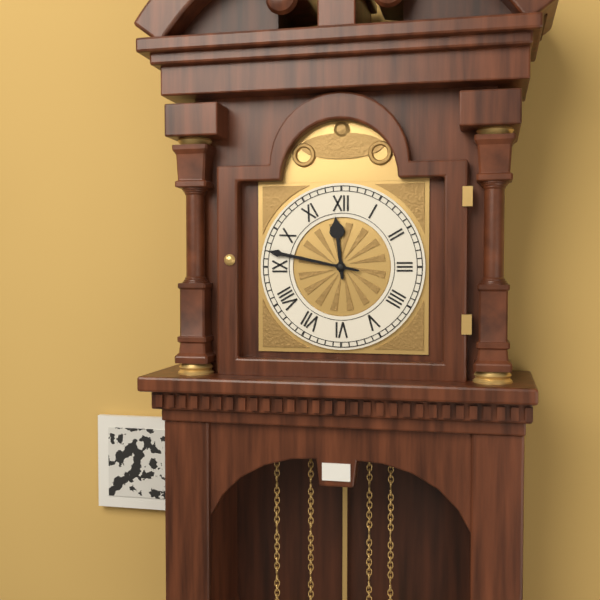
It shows 11h47
